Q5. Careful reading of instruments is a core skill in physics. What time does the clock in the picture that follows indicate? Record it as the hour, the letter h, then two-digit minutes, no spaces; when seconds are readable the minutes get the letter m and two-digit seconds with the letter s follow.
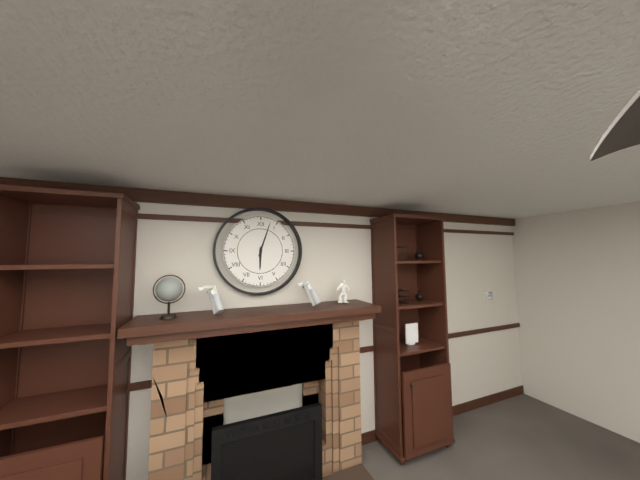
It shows 6h03
